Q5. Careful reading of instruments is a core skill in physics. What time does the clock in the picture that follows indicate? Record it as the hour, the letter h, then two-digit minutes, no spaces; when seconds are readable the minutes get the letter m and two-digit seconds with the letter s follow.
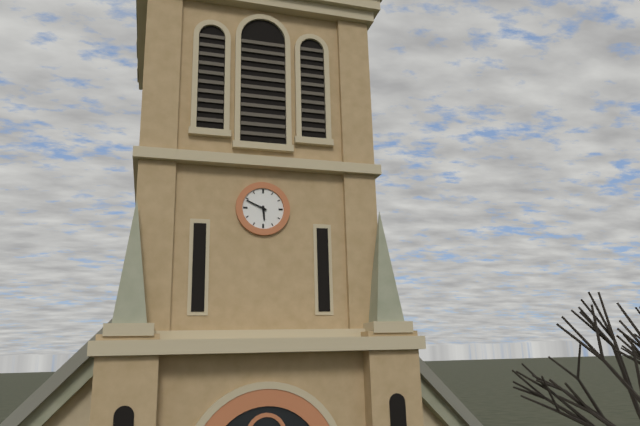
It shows 5h49
